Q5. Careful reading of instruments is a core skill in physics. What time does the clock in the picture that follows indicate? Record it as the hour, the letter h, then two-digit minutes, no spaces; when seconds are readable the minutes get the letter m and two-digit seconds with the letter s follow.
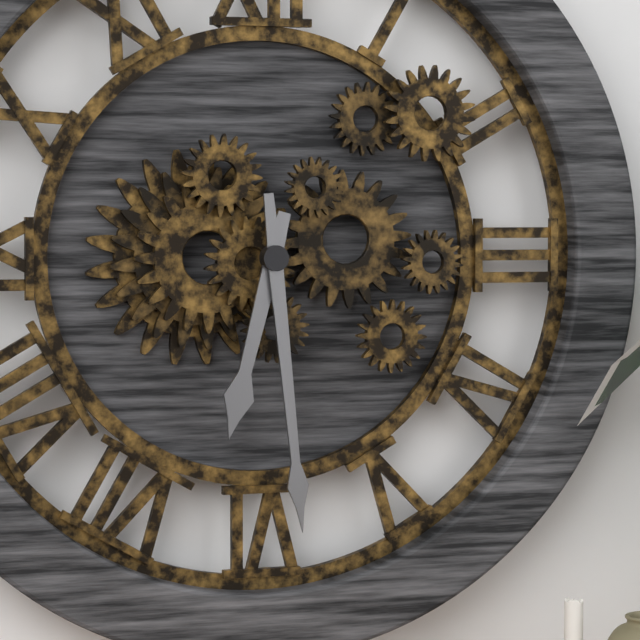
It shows 6h29
